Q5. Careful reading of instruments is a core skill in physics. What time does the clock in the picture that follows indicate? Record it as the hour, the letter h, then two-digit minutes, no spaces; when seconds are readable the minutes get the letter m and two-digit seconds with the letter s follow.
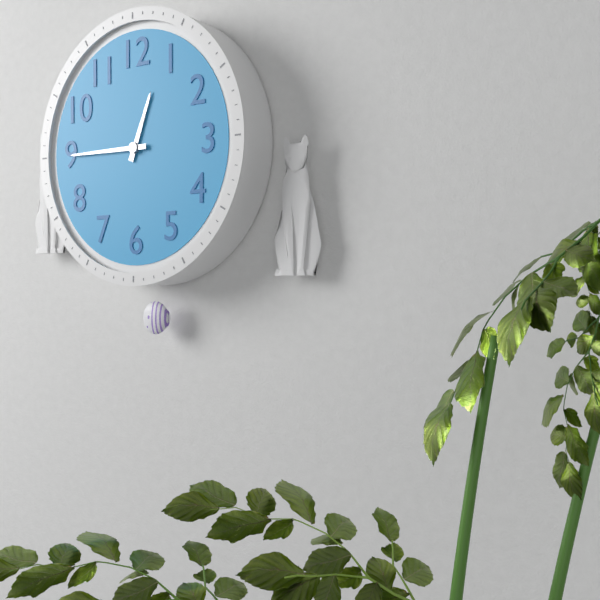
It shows 12h45
